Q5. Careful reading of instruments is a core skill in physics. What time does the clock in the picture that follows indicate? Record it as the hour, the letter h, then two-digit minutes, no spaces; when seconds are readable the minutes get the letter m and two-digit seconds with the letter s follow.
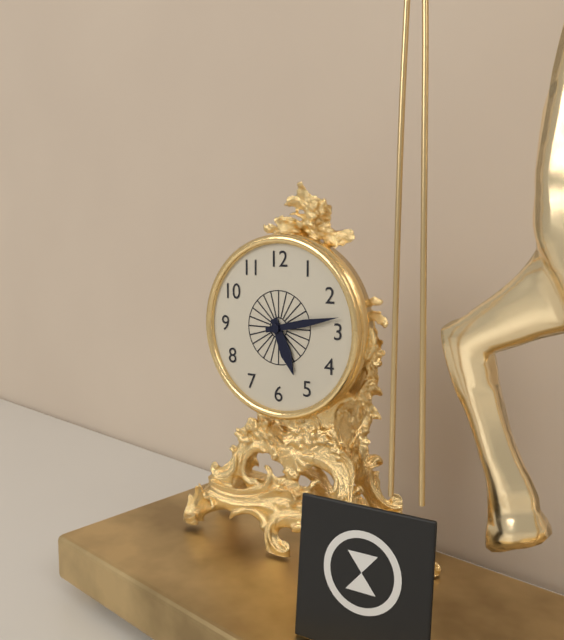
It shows 5h13
